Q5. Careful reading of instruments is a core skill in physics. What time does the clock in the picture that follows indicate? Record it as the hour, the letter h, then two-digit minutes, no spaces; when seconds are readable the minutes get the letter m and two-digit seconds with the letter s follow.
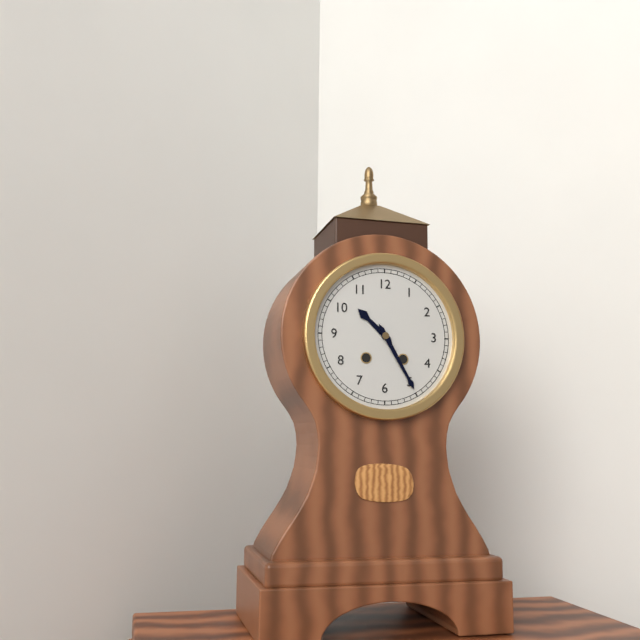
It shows 10h25
